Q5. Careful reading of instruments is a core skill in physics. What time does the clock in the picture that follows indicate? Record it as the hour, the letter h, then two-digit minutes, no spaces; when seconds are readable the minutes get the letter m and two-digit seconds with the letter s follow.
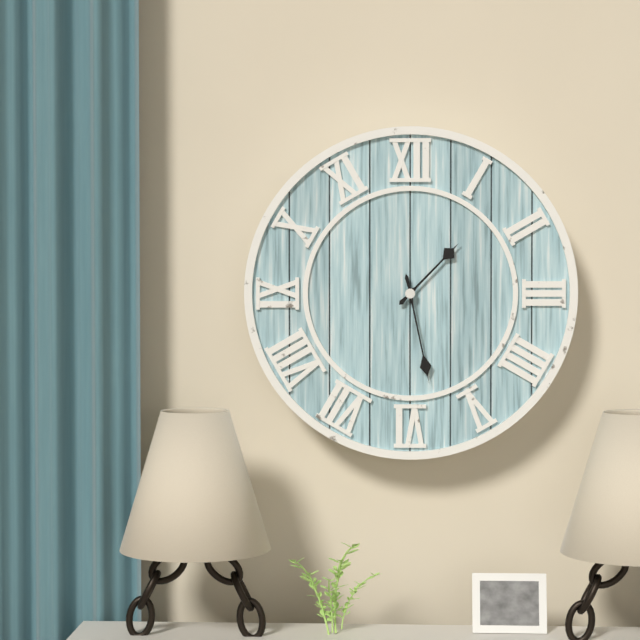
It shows 1h28
